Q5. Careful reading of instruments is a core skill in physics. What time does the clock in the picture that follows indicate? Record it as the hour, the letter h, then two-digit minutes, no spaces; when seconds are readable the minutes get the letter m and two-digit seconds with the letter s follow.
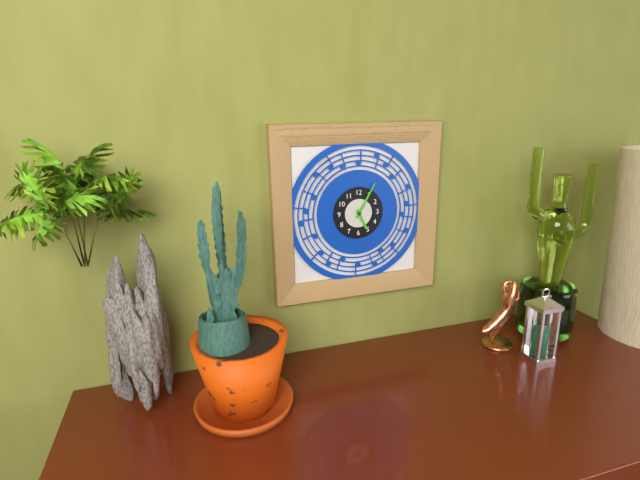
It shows 5h05
